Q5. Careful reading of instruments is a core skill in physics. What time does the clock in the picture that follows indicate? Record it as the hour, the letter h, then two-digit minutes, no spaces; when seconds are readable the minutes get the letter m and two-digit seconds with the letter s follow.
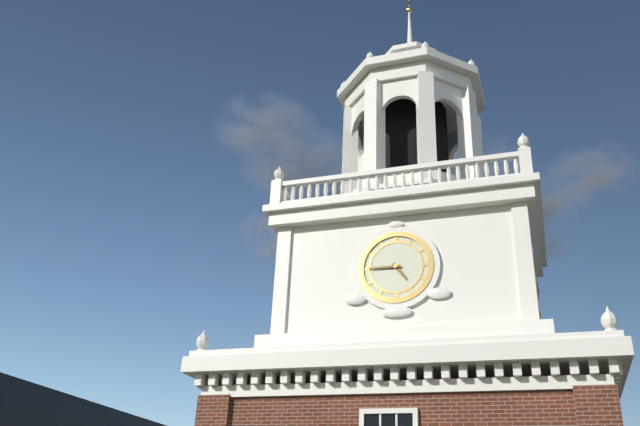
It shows 4h45
